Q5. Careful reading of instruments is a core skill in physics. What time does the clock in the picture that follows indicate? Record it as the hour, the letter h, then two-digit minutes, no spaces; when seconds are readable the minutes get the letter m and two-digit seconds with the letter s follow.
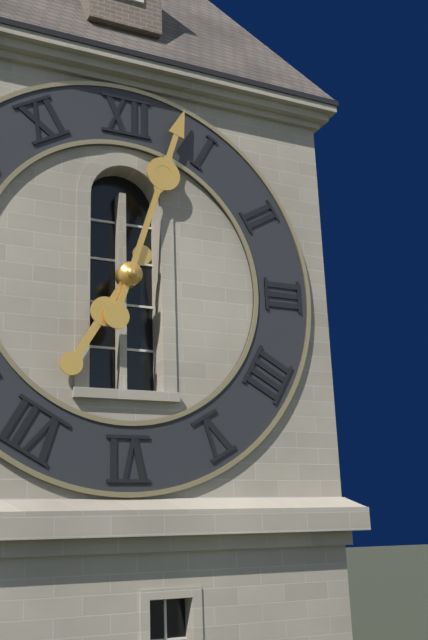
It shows 7h03
